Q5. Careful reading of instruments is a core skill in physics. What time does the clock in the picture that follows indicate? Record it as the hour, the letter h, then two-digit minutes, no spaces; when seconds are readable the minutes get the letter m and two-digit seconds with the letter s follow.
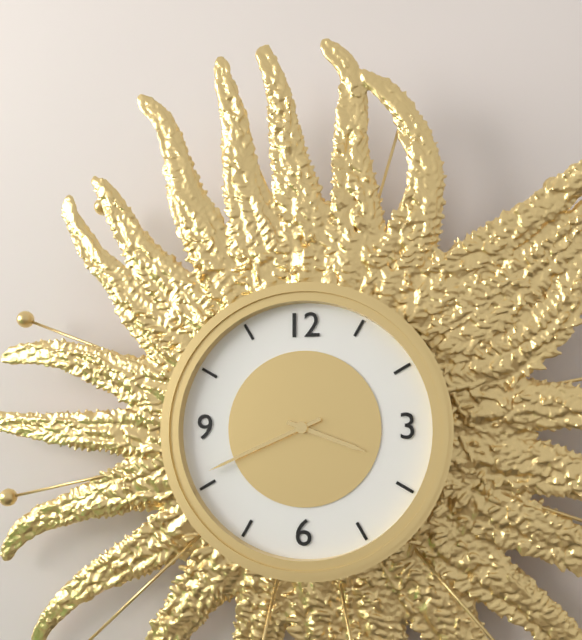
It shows 3h41
